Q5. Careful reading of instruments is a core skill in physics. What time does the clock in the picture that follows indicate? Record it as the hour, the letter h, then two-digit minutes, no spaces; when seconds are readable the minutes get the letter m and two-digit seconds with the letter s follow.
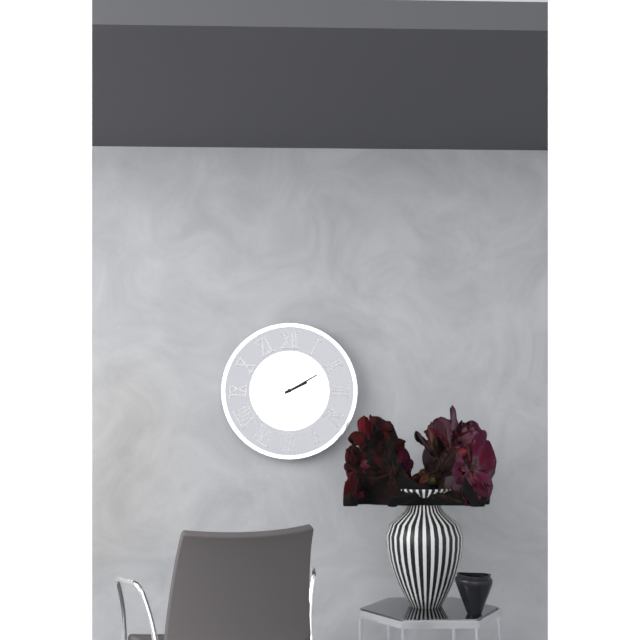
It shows 2h10
